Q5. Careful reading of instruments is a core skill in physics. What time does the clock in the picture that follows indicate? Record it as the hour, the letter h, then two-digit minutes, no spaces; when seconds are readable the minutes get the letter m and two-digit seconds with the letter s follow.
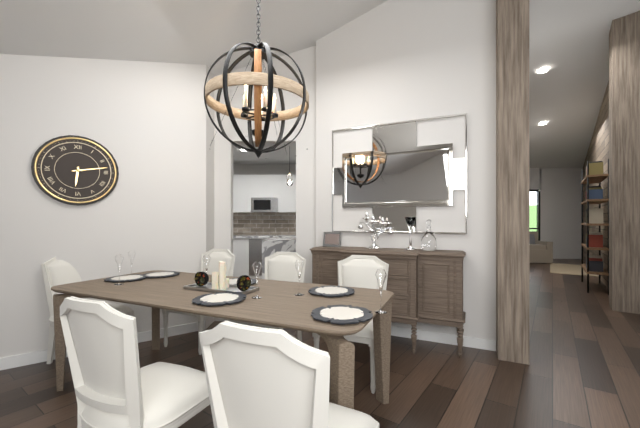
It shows 6h13
